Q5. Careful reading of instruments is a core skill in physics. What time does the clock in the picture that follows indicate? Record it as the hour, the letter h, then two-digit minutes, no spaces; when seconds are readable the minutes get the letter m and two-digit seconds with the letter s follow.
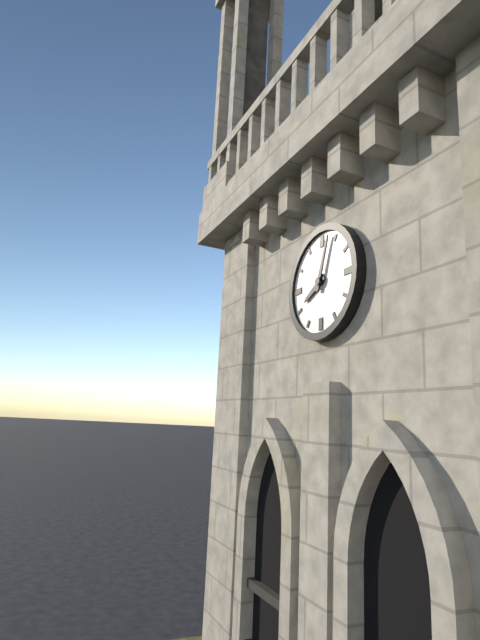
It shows 8h03
